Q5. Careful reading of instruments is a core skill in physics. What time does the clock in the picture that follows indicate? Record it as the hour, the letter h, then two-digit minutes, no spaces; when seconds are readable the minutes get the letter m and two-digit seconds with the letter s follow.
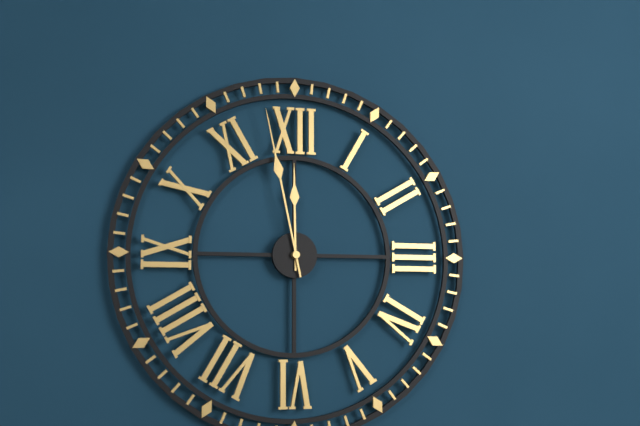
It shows 11h58
